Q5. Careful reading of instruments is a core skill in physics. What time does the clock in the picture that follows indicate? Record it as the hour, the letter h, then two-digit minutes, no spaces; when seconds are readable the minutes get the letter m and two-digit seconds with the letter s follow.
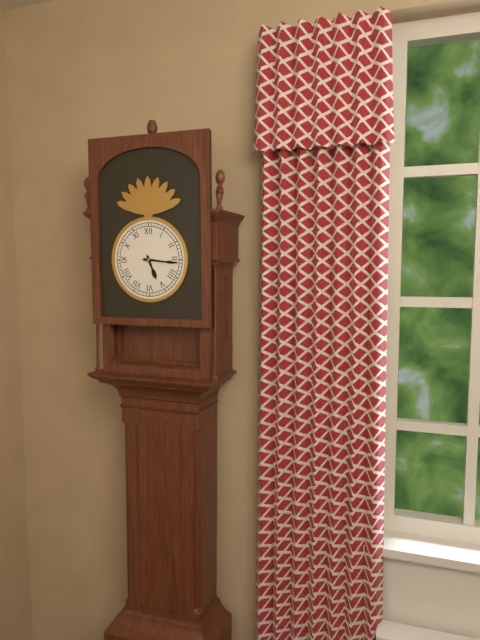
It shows 5h16
